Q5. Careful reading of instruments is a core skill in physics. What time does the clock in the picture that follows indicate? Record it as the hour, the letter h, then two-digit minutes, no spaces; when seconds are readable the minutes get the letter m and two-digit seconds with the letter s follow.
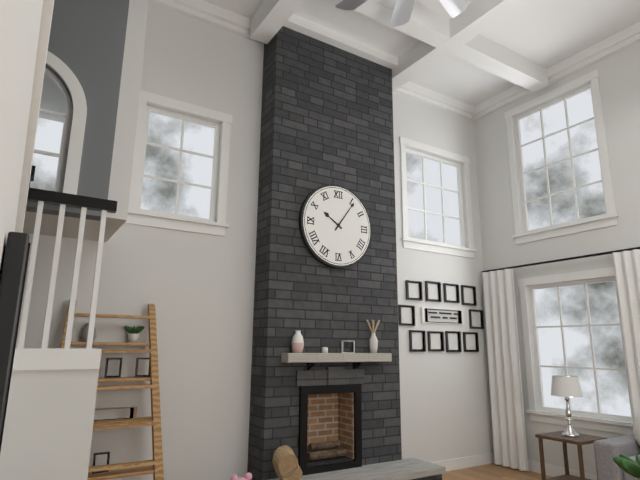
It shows 10h06
